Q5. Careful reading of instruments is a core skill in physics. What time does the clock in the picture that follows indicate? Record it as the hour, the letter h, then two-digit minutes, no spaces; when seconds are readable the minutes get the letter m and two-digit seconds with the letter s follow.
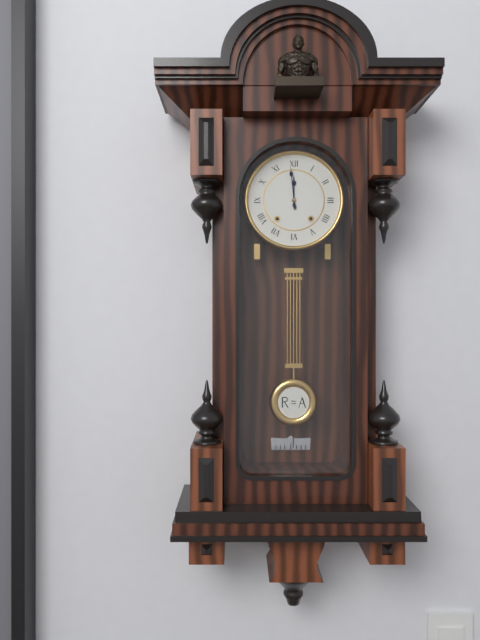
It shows 11h59
